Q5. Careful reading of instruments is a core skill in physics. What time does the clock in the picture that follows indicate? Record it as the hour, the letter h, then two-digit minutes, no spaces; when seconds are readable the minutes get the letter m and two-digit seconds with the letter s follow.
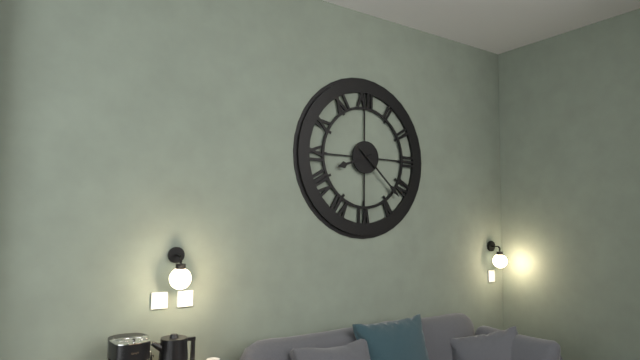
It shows 8h22
